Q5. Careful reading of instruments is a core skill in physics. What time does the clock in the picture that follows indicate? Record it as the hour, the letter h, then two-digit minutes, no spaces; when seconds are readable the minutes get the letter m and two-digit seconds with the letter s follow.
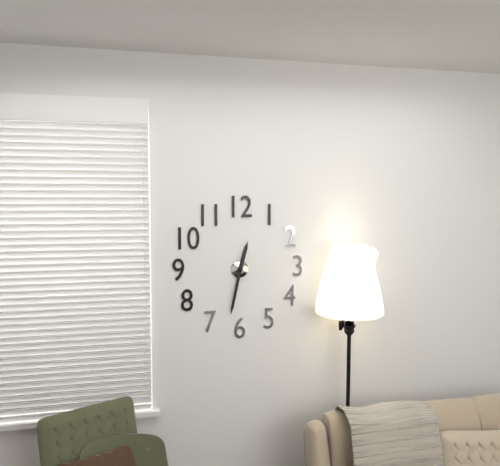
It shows 12h32
